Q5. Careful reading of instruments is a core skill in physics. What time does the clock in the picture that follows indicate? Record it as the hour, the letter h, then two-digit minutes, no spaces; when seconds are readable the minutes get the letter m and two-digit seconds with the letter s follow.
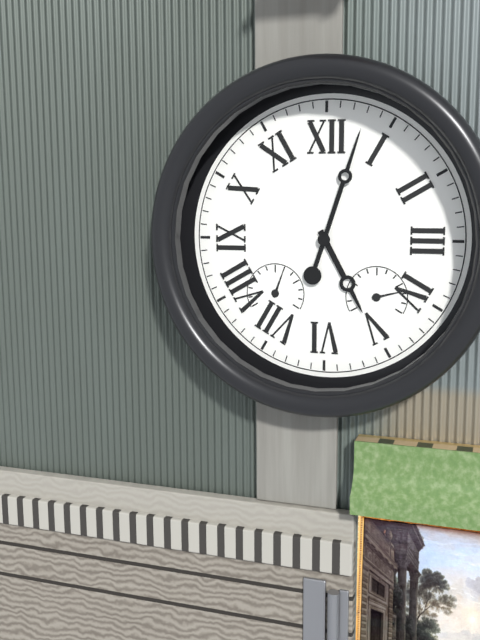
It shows 5h03
